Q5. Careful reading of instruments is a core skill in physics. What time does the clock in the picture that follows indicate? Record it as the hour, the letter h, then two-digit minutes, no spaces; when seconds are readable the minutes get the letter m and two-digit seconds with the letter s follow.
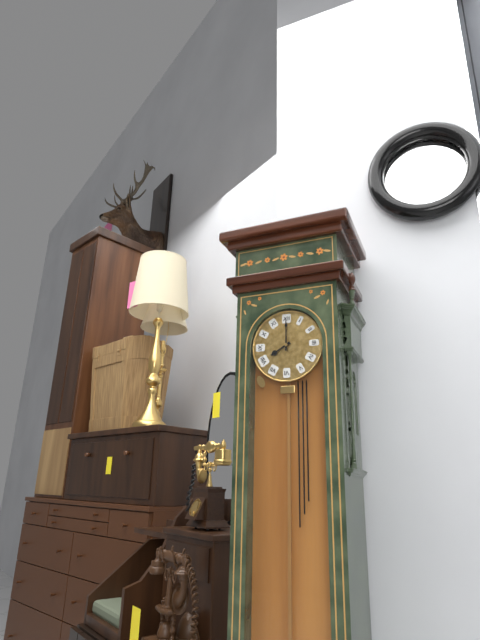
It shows 8h00
